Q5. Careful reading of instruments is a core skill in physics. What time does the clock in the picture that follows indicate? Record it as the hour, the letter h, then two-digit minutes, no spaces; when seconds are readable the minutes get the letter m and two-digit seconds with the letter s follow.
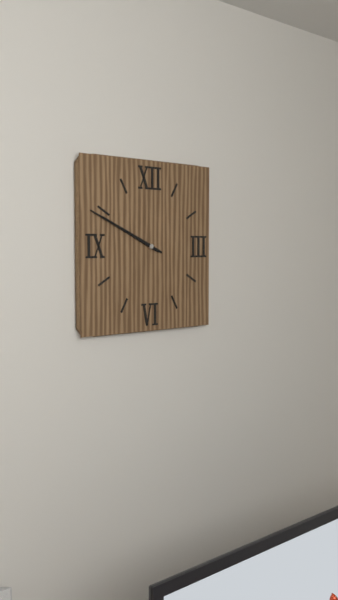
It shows 9h49
